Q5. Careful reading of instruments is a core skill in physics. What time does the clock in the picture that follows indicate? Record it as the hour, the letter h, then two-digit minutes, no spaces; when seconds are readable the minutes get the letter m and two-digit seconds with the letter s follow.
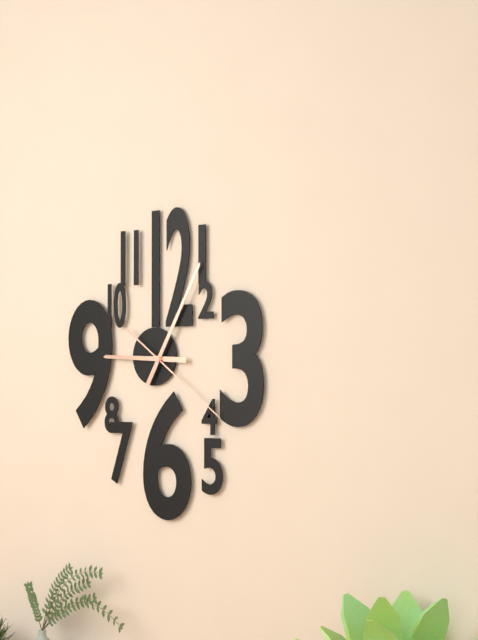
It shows 9h05m21s
